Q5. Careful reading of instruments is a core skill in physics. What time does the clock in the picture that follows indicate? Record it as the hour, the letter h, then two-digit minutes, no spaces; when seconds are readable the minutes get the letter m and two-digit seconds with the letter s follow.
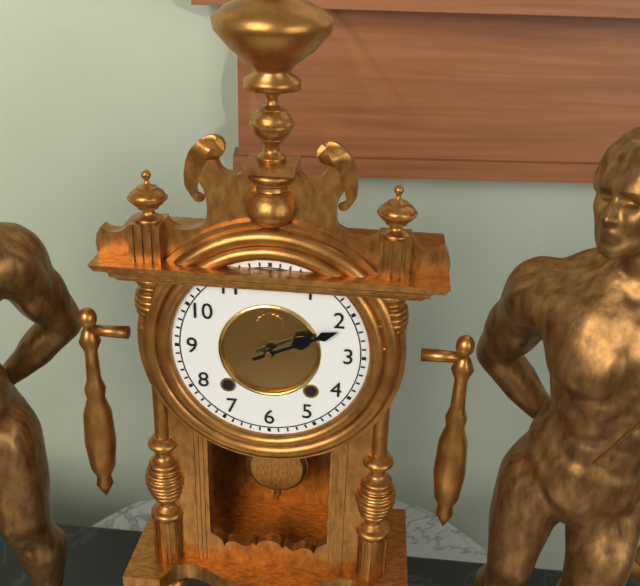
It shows 2h11
